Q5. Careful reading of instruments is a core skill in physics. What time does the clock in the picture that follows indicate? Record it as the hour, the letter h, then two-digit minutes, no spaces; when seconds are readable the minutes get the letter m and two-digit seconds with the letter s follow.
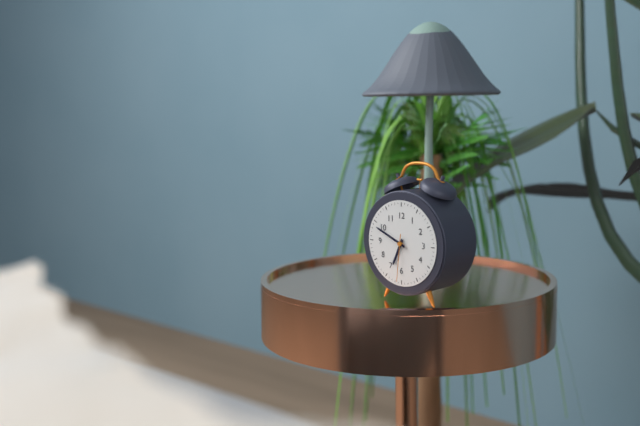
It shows 6h49
